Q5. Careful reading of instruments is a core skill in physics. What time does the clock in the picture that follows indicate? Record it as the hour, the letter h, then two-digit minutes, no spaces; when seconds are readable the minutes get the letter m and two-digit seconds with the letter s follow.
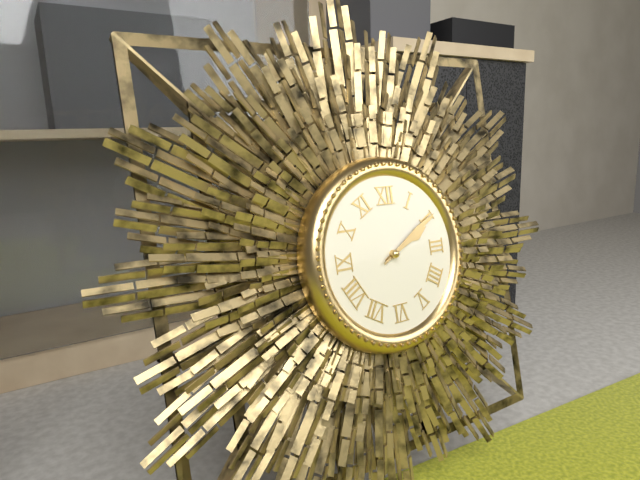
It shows 2h10
